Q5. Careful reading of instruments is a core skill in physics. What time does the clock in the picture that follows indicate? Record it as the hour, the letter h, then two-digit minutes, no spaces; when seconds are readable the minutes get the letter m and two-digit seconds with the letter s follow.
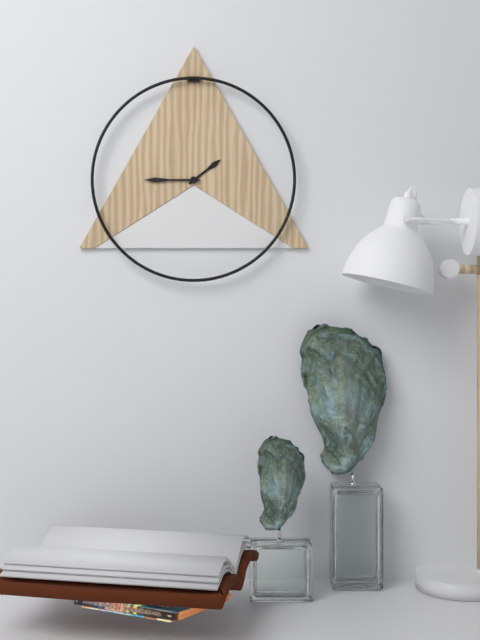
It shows 1h45
